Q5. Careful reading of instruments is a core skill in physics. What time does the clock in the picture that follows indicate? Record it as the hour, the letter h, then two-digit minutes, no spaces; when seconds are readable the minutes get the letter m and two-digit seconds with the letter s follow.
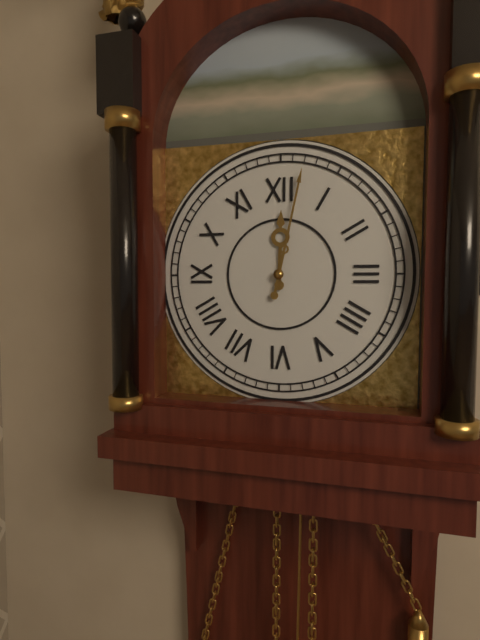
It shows 12h02
